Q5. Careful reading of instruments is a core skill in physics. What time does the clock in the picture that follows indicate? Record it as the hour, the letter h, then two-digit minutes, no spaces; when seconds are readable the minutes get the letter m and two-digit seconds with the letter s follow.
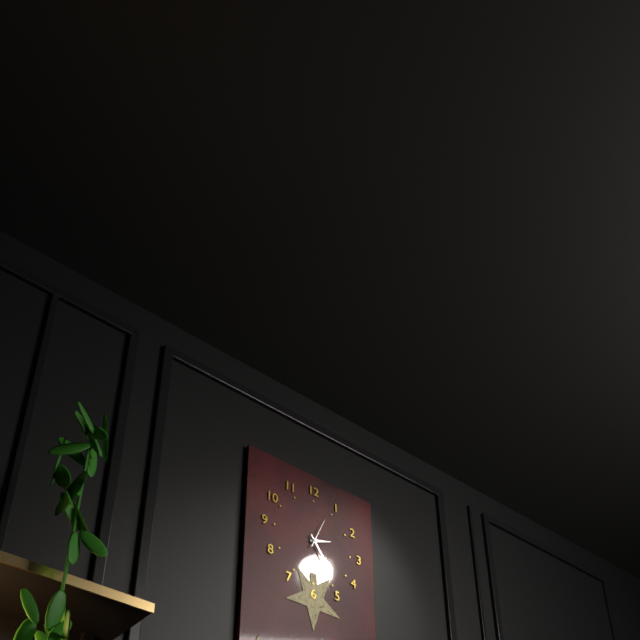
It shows 2h24
